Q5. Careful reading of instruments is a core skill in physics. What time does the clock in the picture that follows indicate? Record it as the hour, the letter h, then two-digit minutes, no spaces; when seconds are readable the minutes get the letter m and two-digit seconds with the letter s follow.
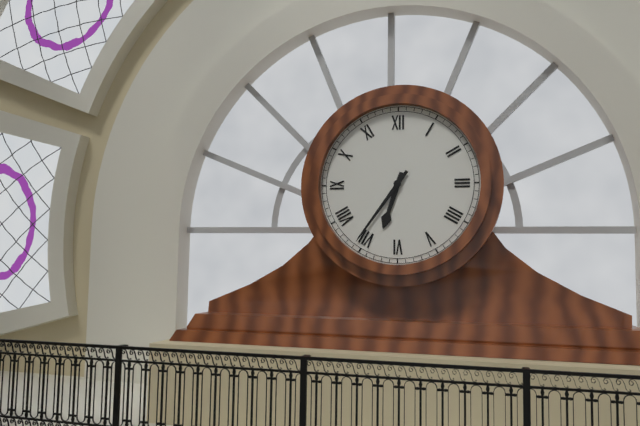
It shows 6h36
